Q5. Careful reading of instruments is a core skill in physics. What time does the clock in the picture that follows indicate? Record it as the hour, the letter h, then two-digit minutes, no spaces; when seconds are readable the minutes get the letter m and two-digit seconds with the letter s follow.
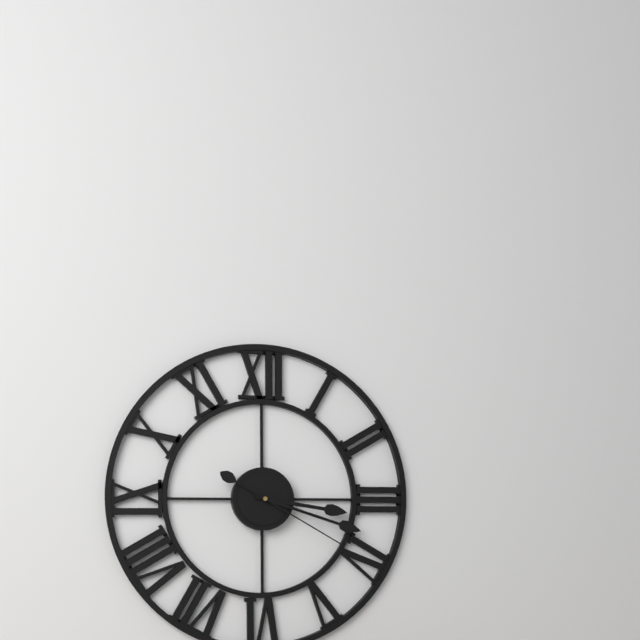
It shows 3h18m20s
